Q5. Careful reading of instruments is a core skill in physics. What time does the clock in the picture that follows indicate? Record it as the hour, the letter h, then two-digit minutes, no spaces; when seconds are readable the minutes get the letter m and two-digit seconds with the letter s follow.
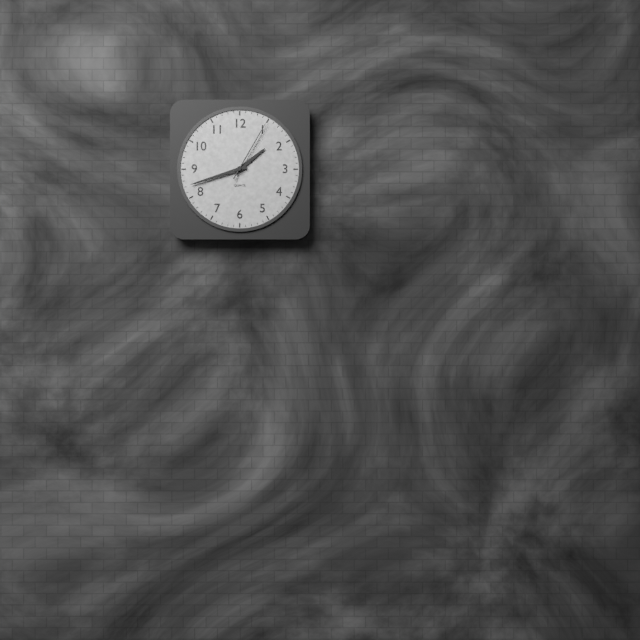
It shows 1h42m05s
